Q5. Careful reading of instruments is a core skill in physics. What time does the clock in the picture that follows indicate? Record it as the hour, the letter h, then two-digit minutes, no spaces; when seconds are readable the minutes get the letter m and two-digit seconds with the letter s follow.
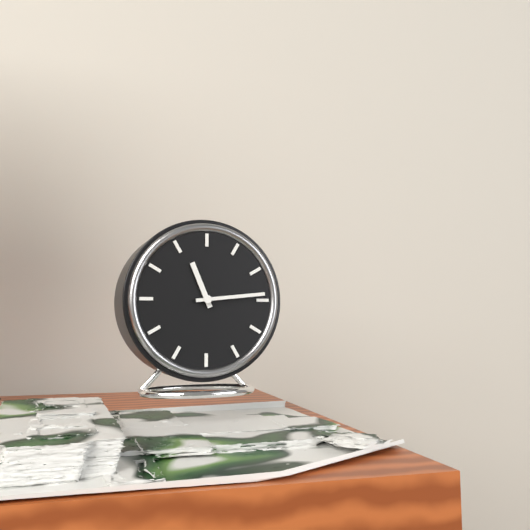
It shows 11h14
